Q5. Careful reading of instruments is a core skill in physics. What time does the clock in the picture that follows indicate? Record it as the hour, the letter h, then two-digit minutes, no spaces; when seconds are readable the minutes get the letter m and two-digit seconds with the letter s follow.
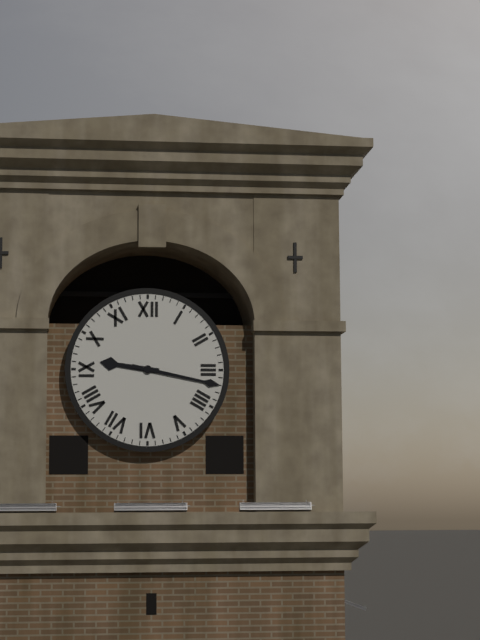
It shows 9h17
